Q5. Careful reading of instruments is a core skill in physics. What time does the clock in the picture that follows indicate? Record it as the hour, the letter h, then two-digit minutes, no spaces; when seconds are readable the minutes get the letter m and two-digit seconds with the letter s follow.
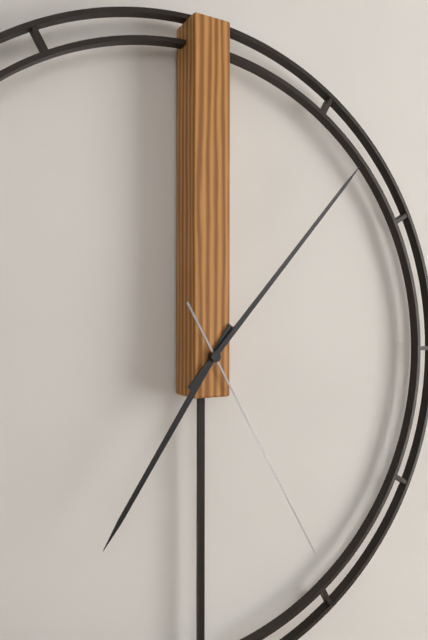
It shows 7h07m25s
